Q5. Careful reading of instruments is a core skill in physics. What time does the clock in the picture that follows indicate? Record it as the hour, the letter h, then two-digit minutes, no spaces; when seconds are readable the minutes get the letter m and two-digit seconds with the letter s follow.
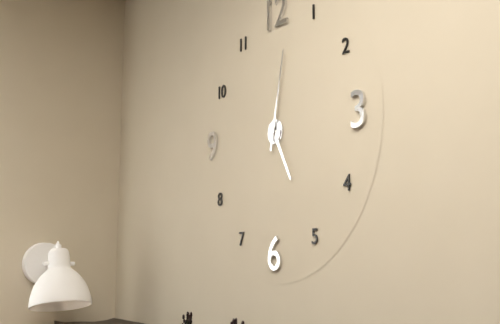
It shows 5h02
